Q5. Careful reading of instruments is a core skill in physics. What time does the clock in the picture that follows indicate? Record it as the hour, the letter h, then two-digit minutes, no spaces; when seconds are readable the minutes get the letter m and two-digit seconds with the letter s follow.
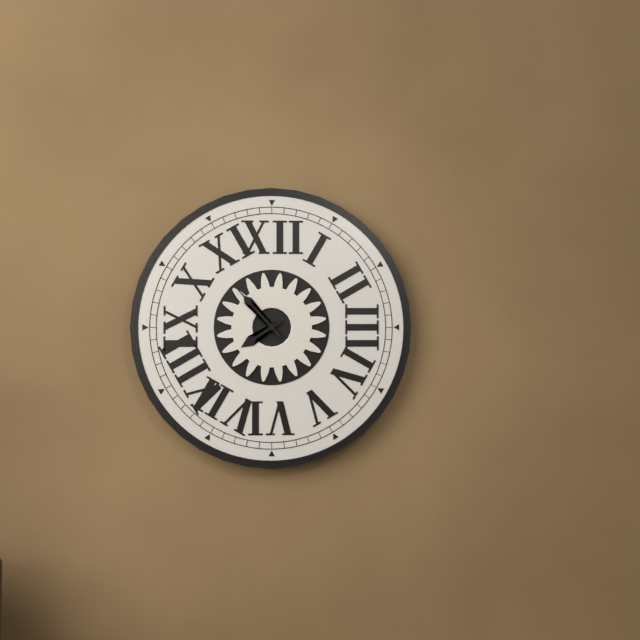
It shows 7h53
